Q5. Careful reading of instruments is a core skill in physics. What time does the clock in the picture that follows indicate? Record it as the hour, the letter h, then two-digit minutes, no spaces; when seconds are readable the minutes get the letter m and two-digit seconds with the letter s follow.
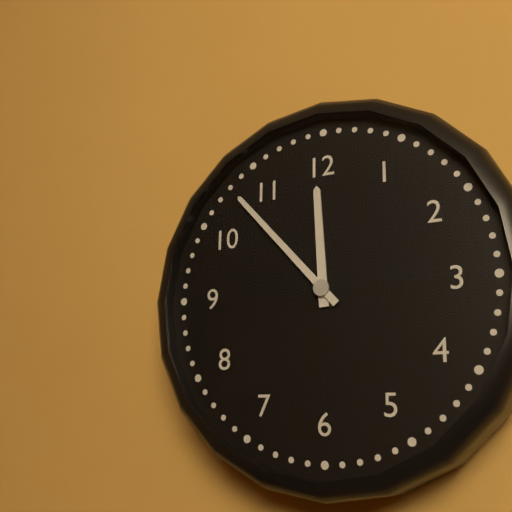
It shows 11h53
